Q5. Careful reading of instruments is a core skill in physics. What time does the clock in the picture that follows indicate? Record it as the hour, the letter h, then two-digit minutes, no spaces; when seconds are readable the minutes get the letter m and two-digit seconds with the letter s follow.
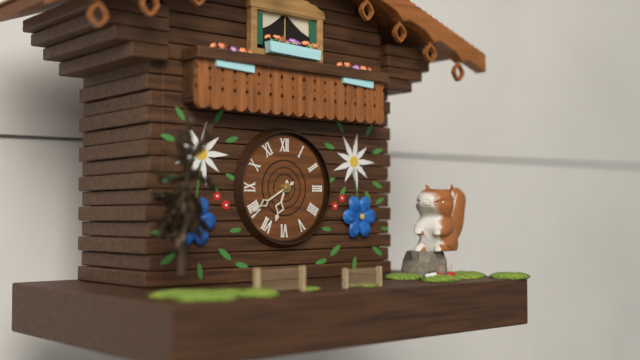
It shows 6h40
